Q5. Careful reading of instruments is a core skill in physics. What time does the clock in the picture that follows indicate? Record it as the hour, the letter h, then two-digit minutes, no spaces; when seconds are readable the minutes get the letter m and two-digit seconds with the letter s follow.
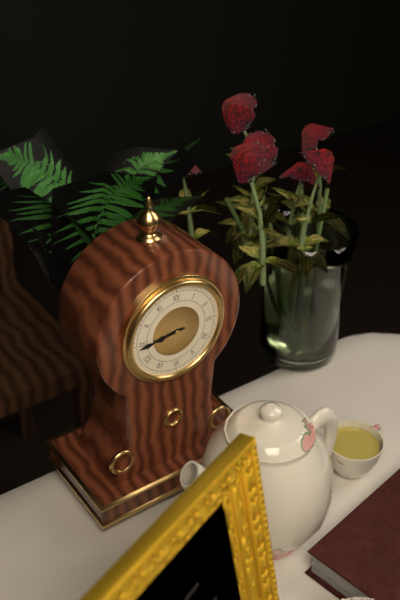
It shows 8h44
